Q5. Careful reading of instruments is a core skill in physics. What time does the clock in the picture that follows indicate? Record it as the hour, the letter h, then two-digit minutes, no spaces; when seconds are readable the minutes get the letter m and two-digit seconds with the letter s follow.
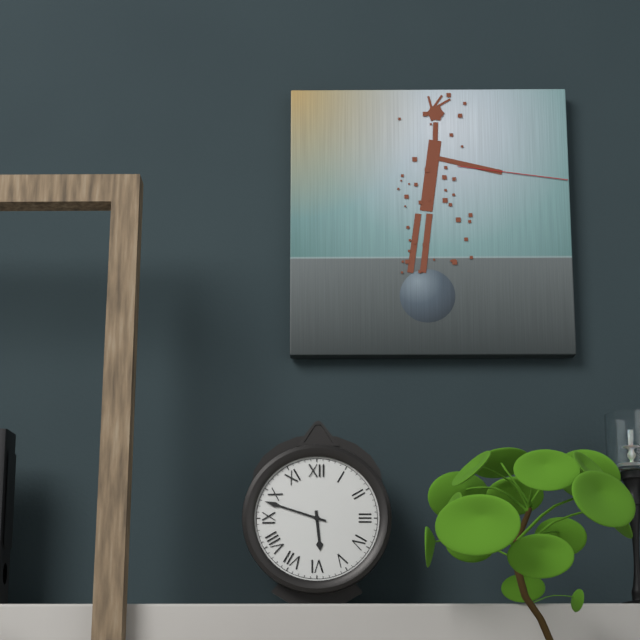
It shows 5h48
